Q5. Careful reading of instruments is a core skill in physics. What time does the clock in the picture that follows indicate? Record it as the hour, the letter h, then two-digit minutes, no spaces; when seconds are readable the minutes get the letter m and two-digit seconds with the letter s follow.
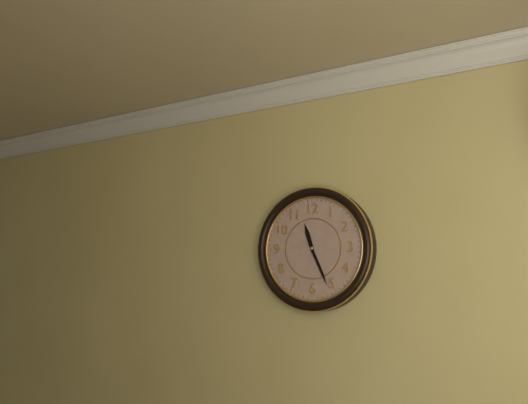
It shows 11h26
